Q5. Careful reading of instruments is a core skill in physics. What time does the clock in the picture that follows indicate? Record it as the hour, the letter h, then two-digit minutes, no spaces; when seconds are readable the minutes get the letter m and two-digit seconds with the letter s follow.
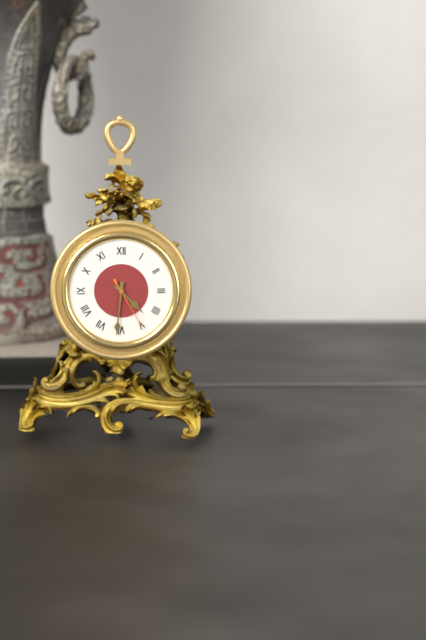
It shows 4h31m25s
